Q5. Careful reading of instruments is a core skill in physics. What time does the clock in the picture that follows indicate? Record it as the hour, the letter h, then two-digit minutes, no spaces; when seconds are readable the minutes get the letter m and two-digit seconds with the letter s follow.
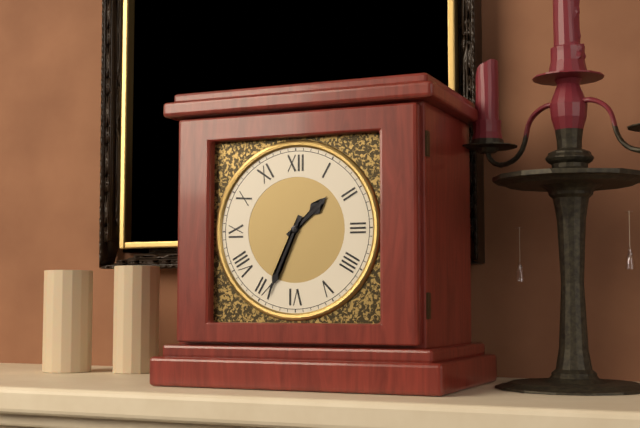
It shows 1h34
